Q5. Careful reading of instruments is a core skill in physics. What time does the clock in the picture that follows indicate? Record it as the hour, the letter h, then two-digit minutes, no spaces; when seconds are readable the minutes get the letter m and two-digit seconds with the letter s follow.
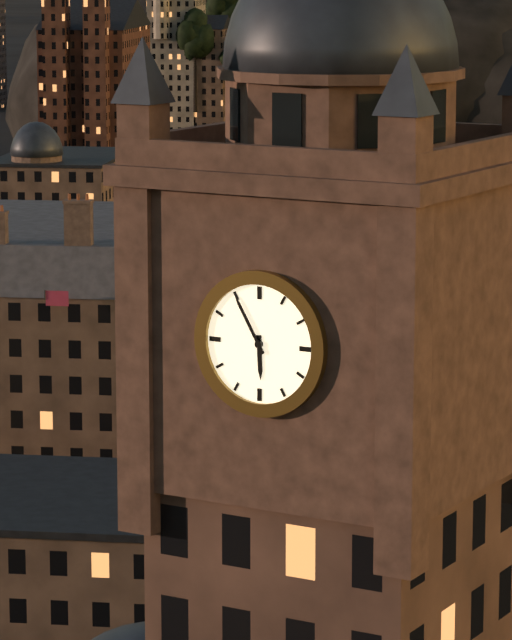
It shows 5h55
